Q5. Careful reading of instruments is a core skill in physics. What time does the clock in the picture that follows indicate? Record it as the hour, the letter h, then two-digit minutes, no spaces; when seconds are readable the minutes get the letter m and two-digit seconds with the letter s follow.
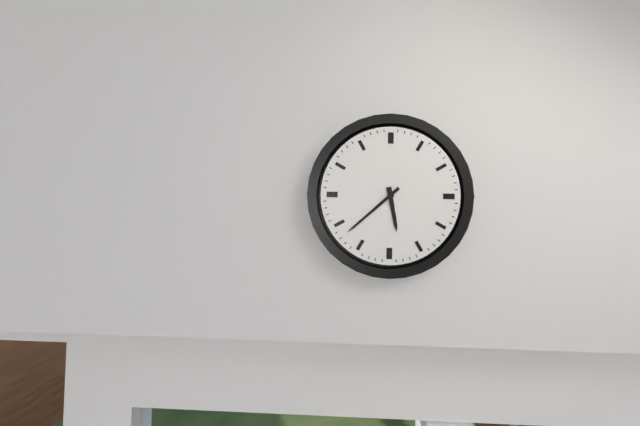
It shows 5h38
